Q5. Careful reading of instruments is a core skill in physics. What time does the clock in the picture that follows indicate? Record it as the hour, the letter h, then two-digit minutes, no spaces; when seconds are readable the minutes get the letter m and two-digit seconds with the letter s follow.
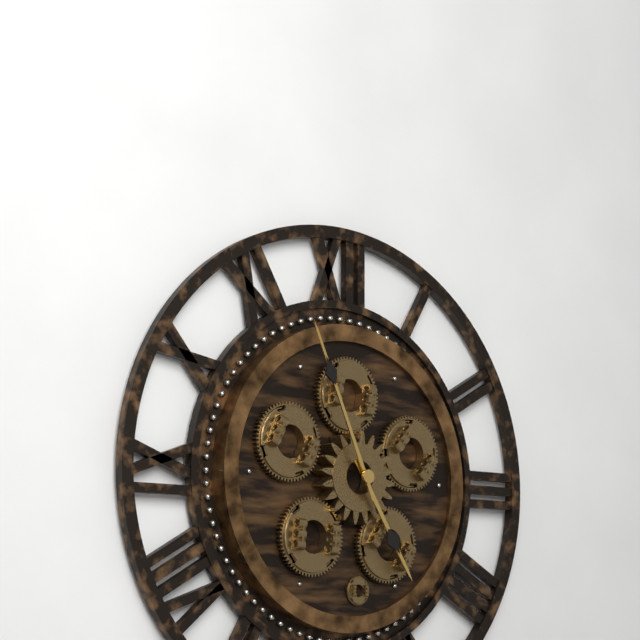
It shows 4h56
